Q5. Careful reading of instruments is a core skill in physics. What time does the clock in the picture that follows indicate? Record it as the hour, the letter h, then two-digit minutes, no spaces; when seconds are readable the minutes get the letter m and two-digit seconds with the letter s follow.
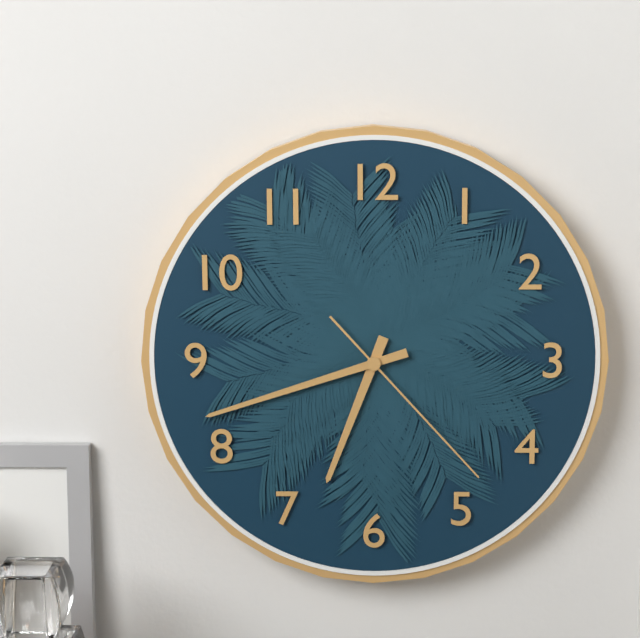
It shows 6h42m23s
